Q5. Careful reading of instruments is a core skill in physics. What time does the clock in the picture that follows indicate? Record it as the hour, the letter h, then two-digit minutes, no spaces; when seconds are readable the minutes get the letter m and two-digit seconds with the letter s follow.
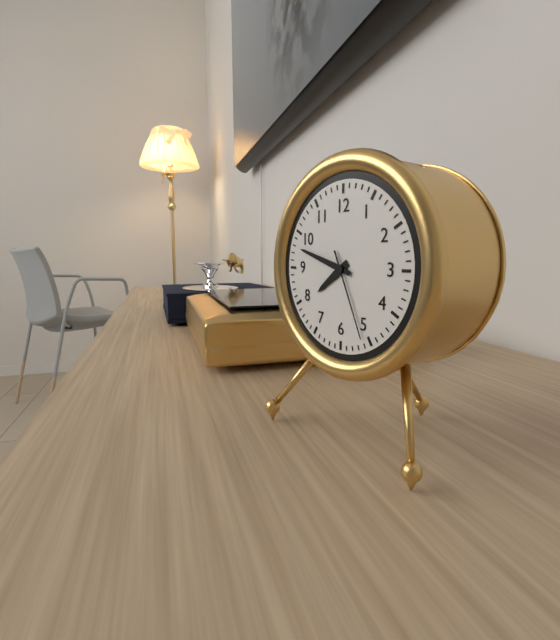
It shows 7h48m26s
